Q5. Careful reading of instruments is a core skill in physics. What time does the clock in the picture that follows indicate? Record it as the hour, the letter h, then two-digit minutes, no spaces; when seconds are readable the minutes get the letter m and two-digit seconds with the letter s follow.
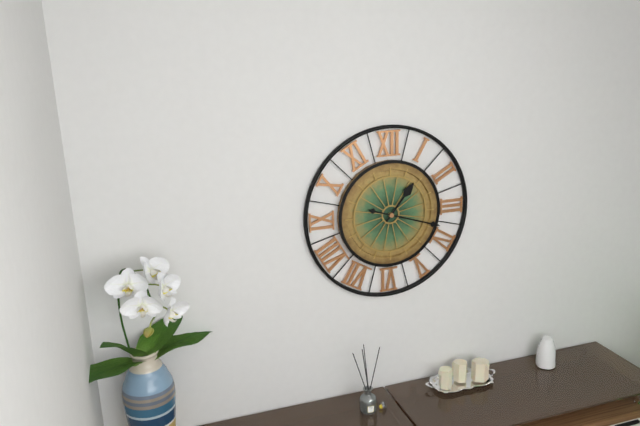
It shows 1h18
